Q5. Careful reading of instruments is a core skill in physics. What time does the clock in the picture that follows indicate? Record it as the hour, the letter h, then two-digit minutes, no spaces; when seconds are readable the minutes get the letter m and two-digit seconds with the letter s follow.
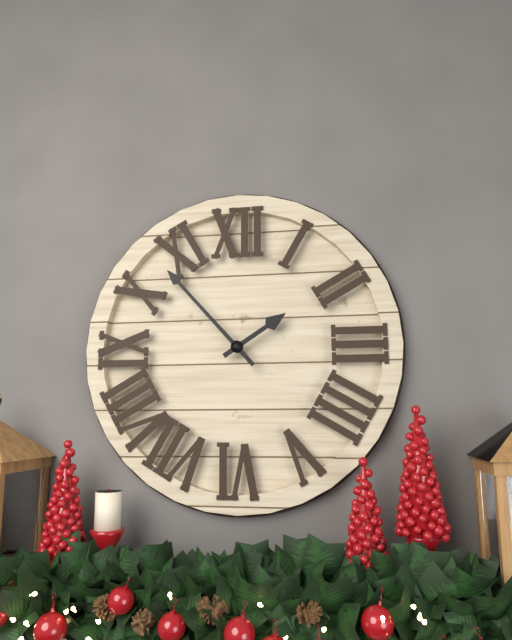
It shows 1h53
